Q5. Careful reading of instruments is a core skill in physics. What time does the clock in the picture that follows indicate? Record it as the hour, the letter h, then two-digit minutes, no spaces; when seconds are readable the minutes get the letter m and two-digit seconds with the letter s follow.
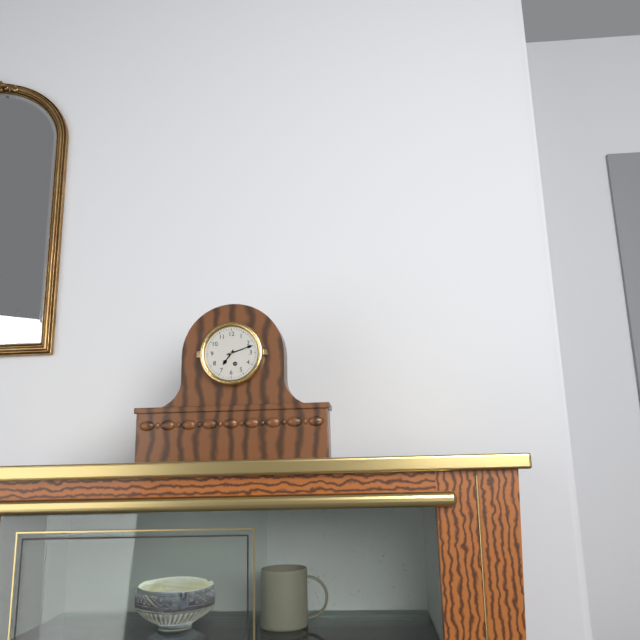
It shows 7h12
